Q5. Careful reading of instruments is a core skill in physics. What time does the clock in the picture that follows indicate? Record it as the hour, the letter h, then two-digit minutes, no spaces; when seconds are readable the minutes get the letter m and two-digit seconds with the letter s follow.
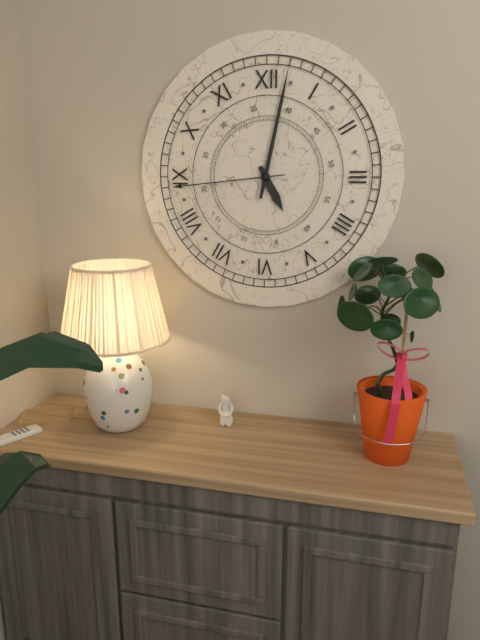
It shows 5h02m44s
